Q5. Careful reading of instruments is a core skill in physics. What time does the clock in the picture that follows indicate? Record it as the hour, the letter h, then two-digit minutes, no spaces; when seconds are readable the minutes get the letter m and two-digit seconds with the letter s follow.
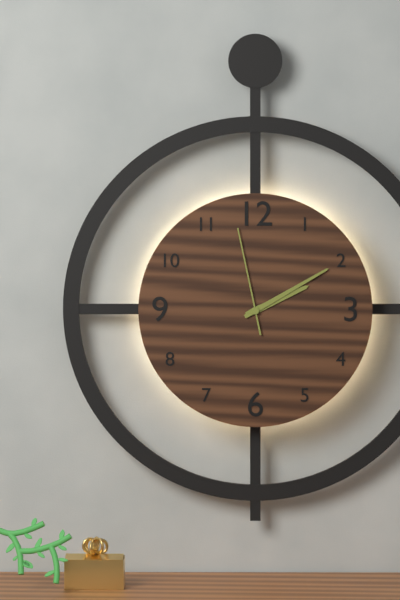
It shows 2h10m58s
